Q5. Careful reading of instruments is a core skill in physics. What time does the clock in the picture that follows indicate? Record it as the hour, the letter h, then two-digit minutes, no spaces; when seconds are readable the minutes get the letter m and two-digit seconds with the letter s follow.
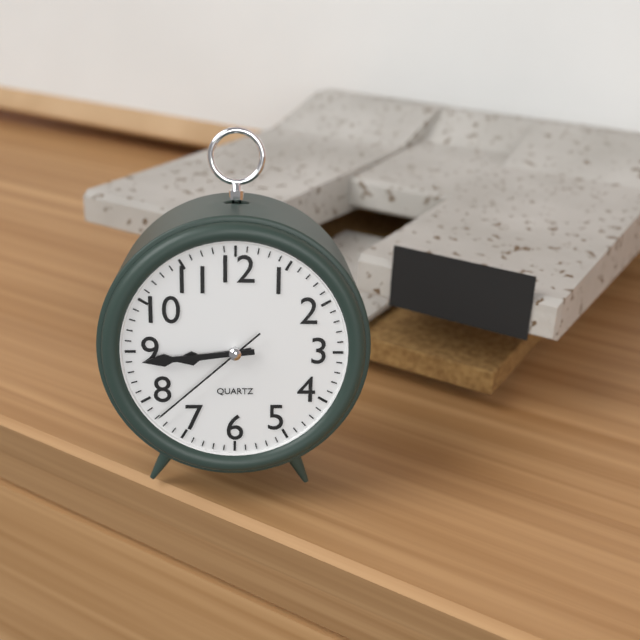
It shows 8h44m38s
